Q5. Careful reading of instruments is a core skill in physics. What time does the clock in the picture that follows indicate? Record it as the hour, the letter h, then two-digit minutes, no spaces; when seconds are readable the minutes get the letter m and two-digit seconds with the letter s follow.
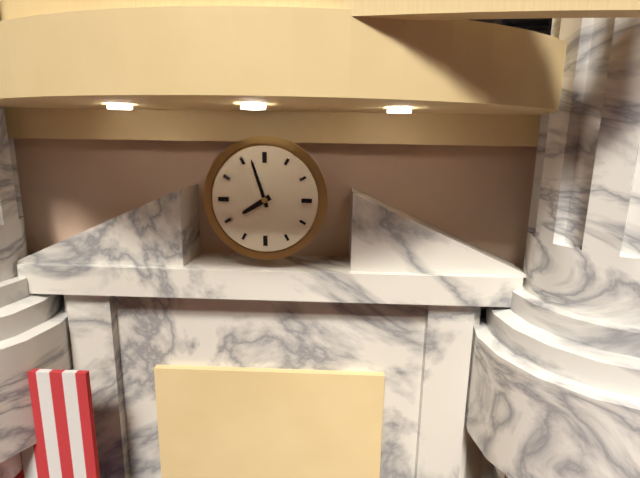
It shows 7h57
